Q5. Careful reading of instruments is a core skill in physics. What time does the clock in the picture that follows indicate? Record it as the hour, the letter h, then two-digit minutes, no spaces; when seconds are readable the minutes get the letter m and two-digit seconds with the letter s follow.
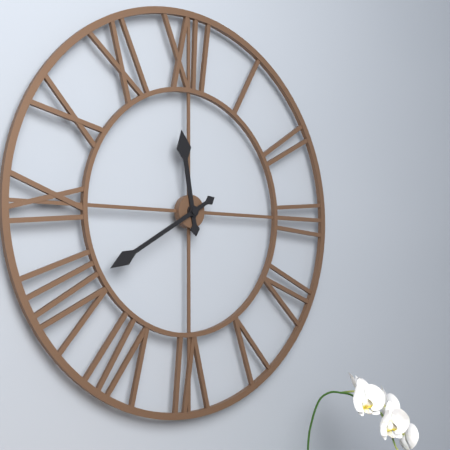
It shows 11h40
